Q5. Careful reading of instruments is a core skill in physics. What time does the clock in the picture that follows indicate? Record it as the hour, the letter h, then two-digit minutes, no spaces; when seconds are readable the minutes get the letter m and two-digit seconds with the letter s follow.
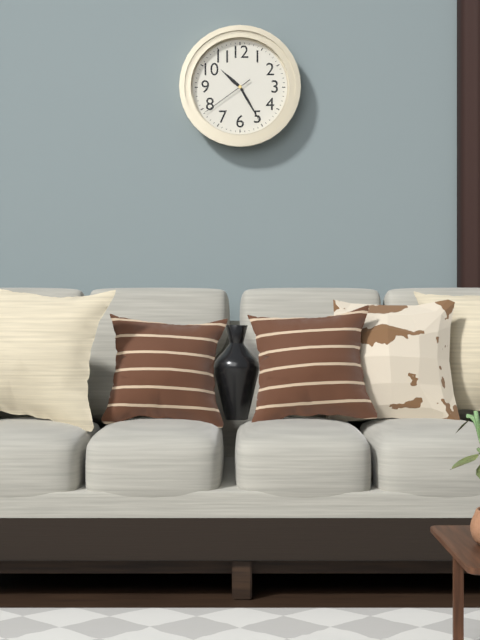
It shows 10h25m39s
